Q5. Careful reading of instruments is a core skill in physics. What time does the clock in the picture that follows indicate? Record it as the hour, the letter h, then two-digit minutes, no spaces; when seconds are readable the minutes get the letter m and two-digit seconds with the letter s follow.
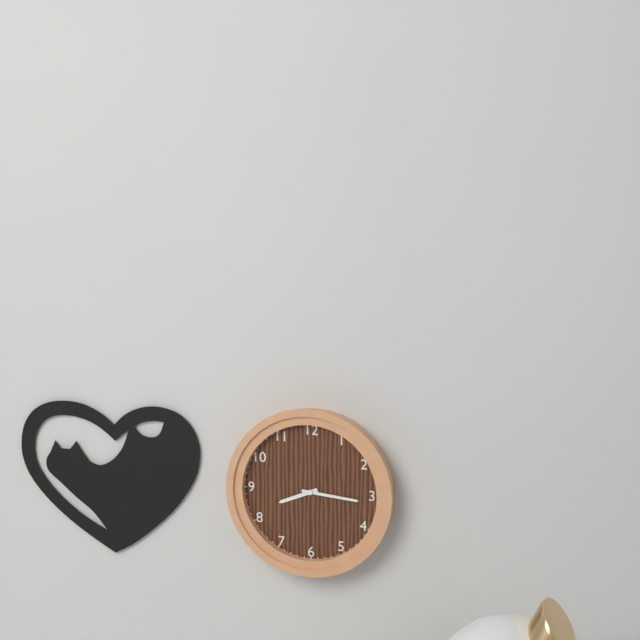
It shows 8h16
